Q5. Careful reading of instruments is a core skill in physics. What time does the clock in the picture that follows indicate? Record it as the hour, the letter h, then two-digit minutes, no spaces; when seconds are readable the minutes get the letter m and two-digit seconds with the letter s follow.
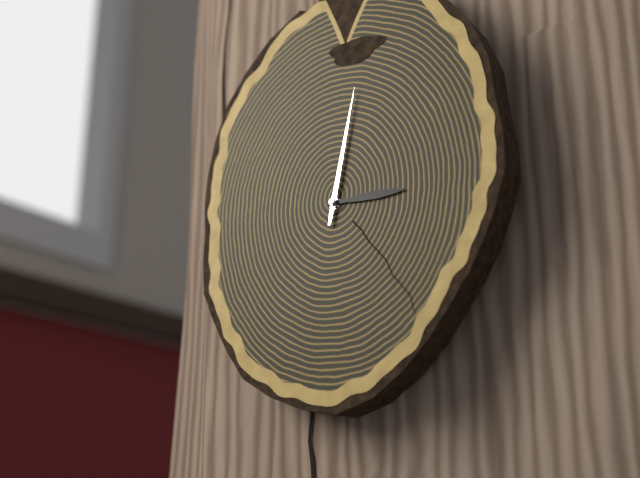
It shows 3h02
